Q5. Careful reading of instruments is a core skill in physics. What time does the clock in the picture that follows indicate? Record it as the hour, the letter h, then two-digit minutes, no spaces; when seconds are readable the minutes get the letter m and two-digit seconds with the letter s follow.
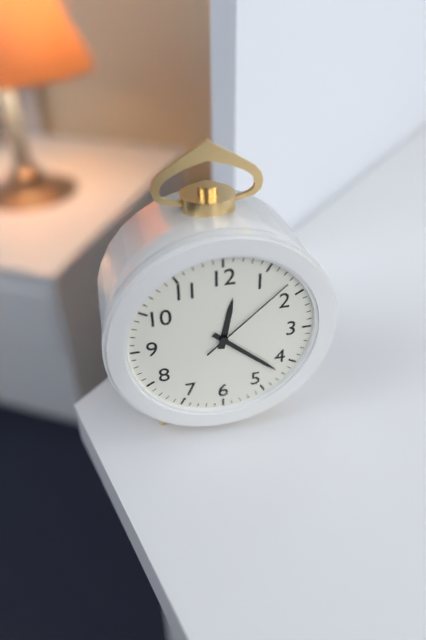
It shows 12h22m08s
